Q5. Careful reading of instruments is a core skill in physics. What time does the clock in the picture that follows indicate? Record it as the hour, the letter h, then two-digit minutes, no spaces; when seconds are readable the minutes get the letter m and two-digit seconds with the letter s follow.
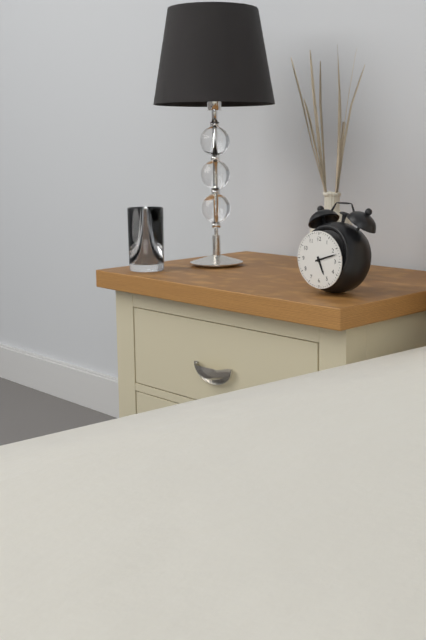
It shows 5h12
